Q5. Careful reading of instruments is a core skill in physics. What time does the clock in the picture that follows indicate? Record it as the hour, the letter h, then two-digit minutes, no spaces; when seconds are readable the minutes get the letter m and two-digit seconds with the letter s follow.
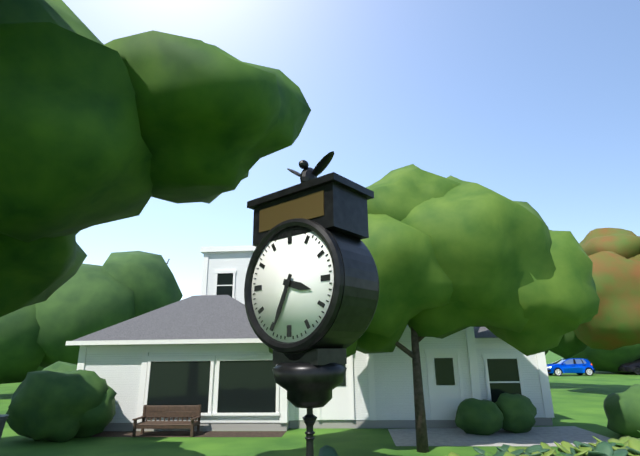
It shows 3h34
